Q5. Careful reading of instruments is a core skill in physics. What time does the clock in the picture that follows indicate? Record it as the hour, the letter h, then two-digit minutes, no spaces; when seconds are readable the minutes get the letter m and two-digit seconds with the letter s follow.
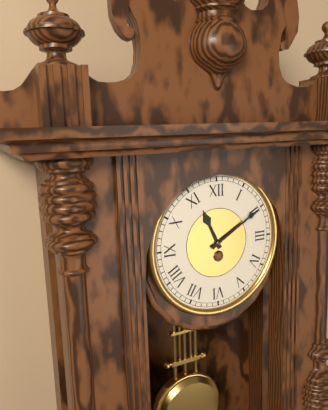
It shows 11h10
